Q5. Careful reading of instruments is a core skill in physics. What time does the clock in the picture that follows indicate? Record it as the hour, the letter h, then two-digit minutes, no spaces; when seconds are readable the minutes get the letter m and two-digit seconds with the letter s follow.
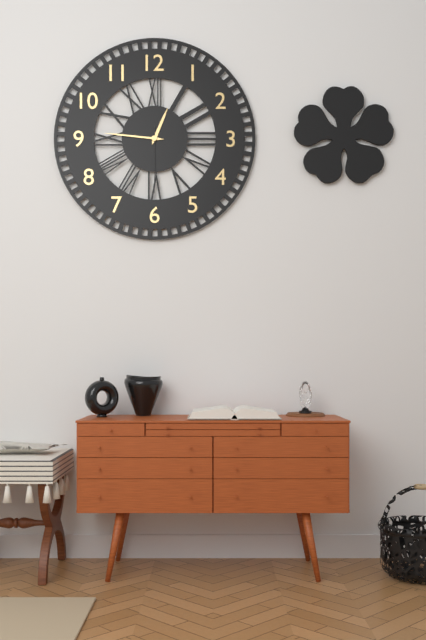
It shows 12h46m30s
